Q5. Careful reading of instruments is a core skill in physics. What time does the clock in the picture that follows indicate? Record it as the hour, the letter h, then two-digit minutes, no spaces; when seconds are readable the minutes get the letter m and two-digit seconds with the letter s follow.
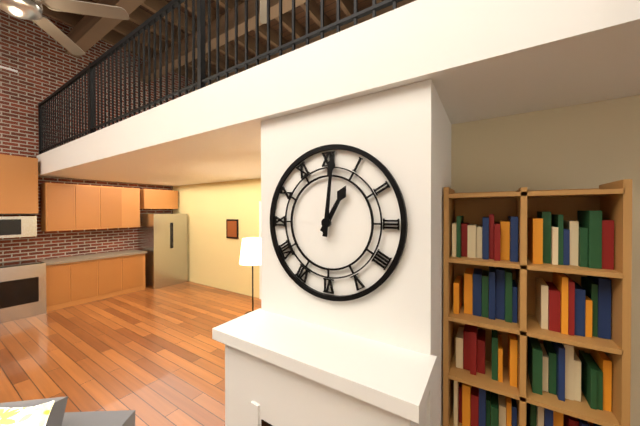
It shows 1h01
